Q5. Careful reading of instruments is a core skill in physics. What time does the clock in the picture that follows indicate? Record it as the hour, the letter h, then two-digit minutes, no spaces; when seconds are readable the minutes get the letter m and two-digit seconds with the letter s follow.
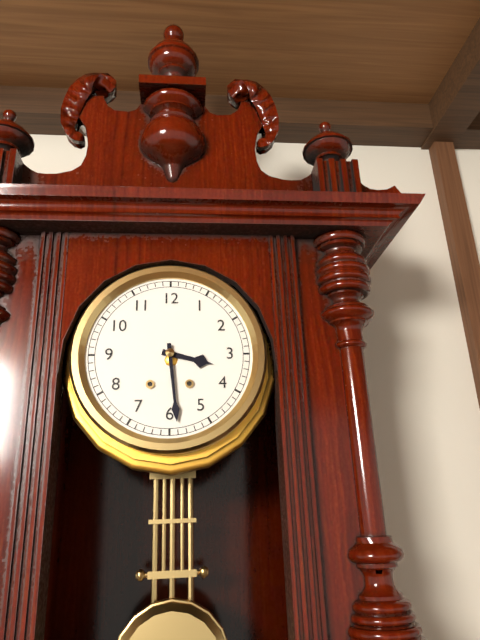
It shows 3h29
